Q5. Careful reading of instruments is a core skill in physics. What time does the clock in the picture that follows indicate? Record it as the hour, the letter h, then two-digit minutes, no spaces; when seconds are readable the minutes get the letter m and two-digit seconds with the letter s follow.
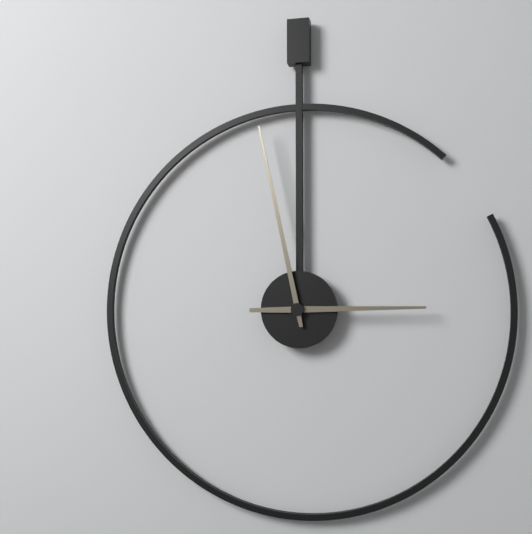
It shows 2h58
